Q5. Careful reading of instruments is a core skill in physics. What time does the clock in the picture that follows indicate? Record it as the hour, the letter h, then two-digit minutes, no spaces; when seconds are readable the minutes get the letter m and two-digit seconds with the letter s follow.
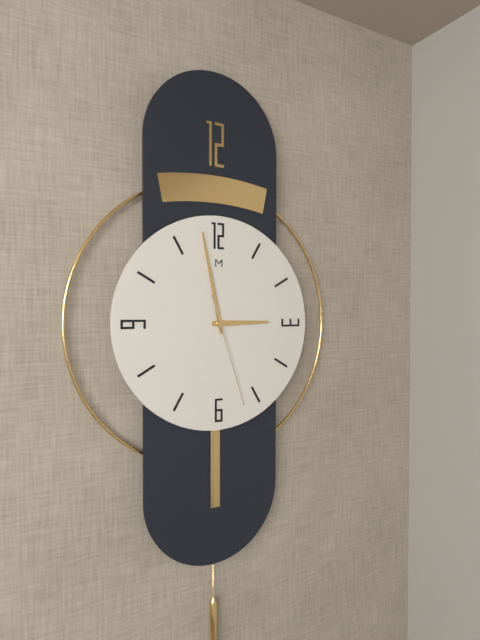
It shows 2h58m27s
